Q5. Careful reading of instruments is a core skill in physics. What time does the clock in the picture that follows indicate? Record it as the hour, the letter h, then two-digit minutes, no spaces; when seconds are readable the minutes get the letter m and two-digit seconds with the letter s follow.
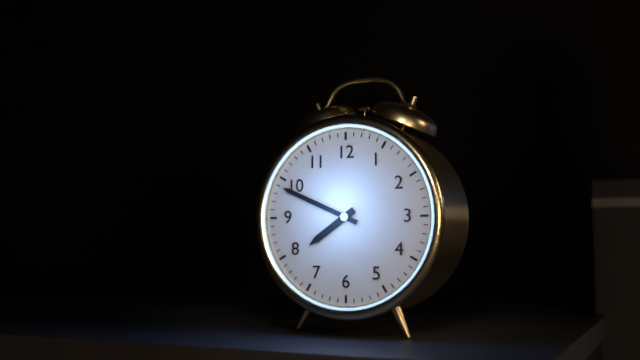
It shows 7h49
